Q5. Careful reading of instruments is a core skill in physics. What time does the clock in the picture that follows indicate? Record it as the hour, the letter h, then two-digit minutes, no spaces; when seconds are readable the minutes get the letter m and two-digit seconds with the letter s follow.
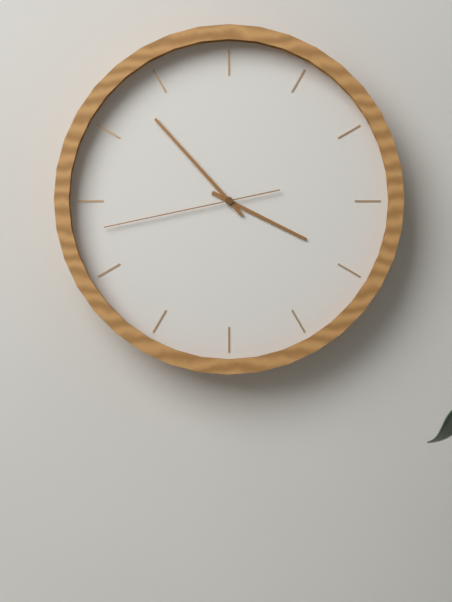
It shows 3h53m43s
